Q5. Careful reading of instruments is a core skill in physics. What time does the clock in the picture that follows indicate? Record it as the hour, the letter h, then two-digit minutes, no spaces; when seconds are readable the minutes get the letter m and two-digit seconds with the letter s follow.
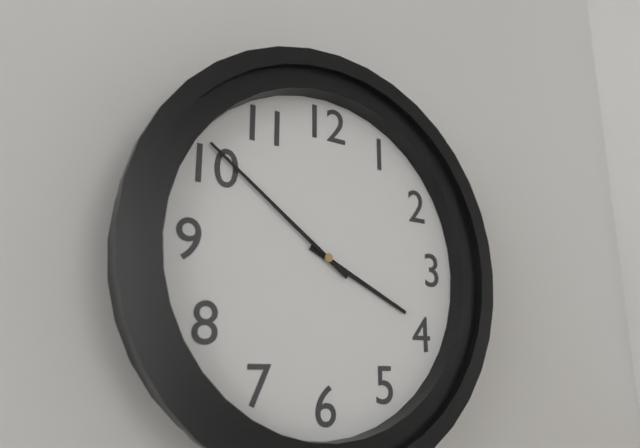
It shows 3h51
